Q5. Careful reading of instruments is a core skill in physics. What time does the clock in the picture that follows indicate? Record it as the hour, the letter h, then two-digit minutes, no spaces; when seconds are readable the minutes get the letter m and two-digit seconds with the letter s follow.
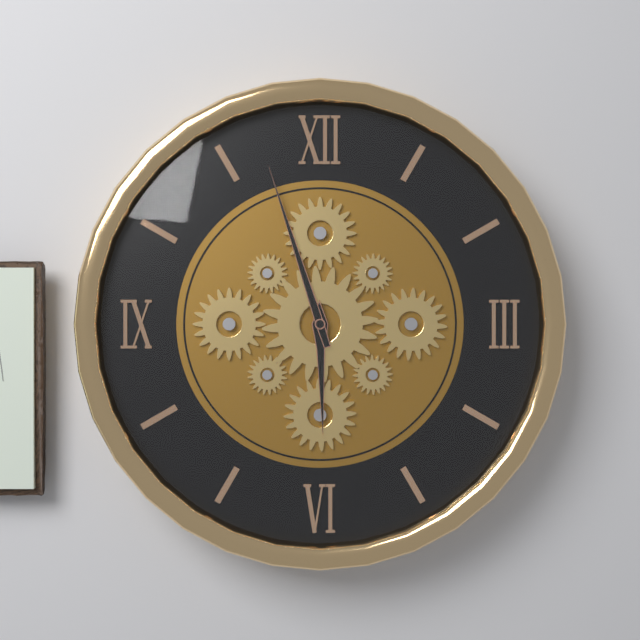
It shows 5h57
